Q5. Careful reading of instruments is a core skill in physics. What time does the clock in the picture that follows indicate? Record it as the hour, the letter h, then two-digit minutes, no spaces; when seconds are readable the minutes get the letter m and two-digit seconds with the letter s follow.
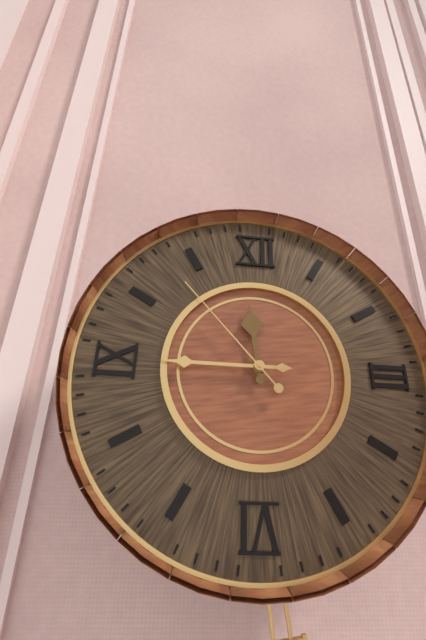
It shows 11h45m53s
